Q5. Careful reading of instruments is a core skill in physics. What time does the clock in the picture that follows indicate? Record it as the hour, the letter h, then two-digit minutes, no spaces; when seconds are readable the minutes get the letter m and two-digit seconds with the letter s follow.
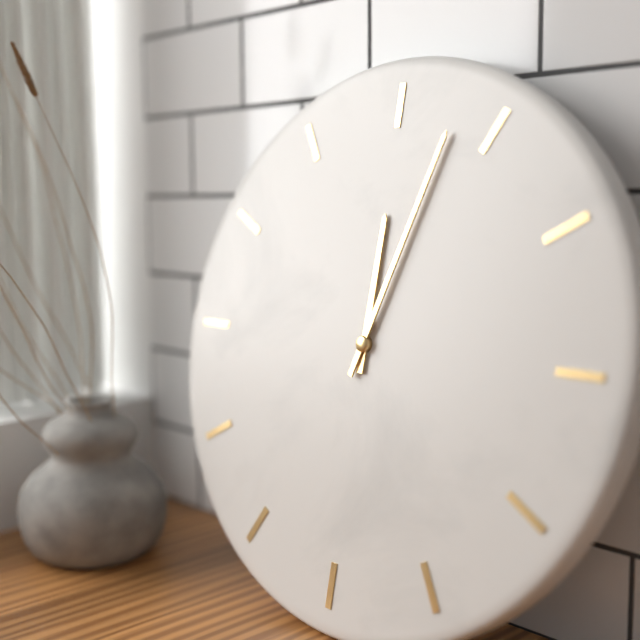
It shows 12h03
